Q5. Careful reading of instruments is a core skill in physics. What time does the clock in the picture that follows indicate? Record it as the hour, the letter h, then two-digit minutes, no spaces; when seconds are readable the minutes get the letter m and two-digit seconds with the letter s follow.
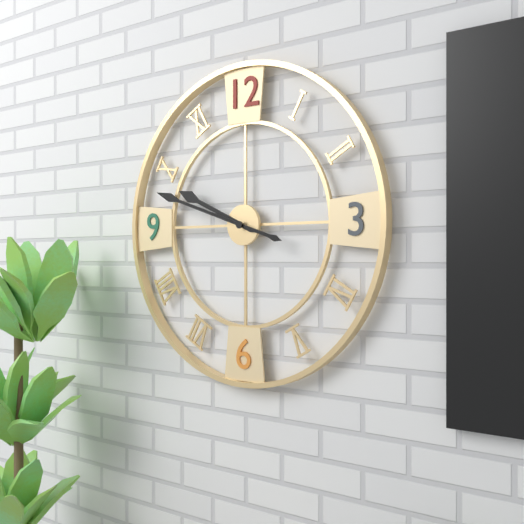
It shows 9h48
